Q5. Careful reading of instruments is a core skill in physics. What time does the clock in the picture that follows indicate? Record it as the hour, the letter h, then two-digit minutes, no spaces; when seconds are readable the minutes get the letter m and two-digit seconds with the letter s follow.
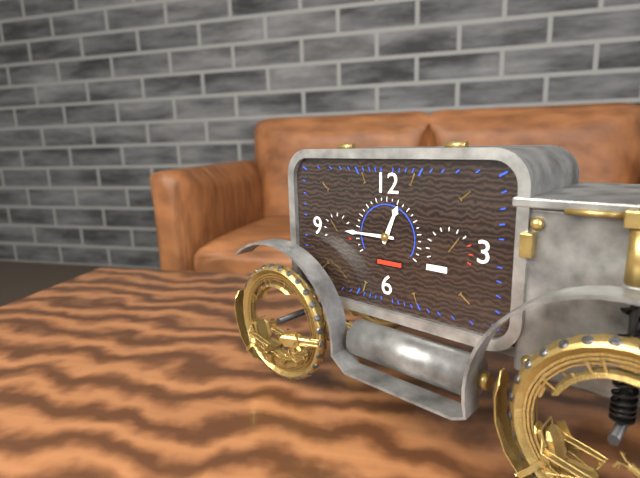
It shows 12h45
